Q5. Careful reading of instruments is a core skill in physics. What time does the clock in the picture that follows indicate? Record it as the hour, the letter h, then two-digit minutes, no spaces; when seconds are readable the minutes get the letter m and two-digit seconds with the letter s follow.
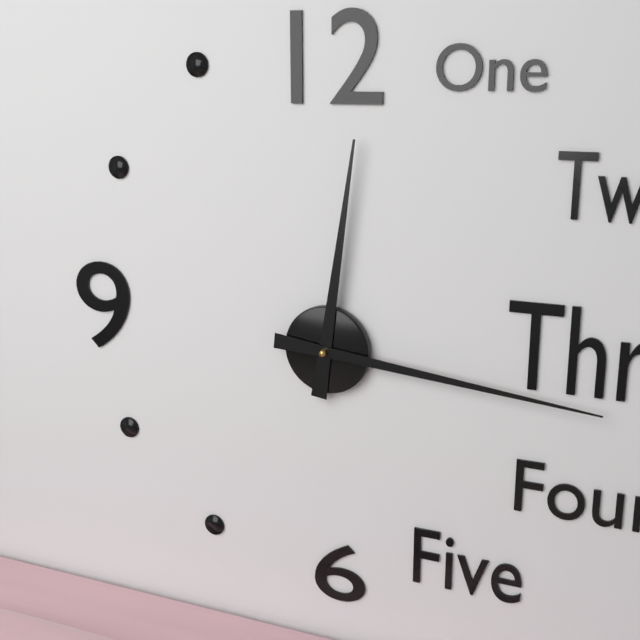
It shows 12h16
